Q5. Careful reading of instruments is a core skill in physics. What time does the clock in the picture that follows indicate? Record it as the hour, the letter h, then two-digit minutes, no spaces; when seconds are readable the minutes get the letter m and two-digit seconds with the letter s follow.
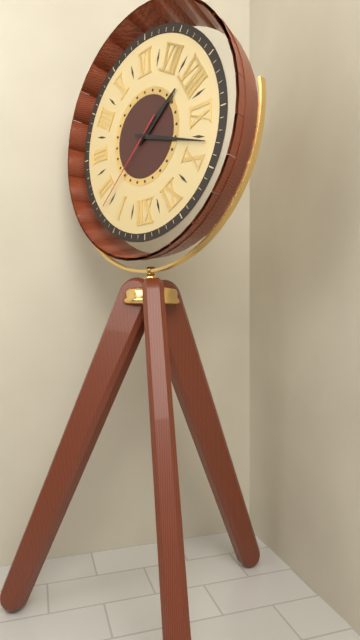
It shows 7h48m08s
